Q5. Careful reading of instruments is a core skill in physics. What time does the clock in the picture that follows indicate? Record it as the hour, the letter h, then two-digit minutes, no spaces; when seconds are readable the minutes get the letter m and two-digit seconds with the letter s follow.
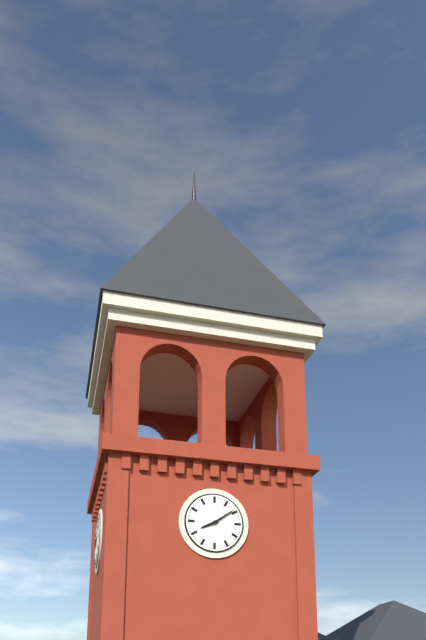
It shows 8h09
